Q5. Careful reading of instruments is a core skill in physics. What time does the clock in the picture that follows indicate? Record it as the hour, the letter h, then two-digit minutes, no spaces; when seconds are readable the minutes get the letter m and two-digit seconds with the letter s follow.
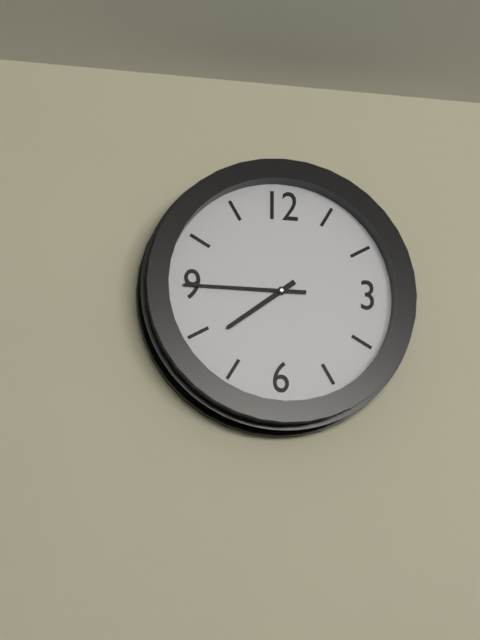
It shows 7h45
